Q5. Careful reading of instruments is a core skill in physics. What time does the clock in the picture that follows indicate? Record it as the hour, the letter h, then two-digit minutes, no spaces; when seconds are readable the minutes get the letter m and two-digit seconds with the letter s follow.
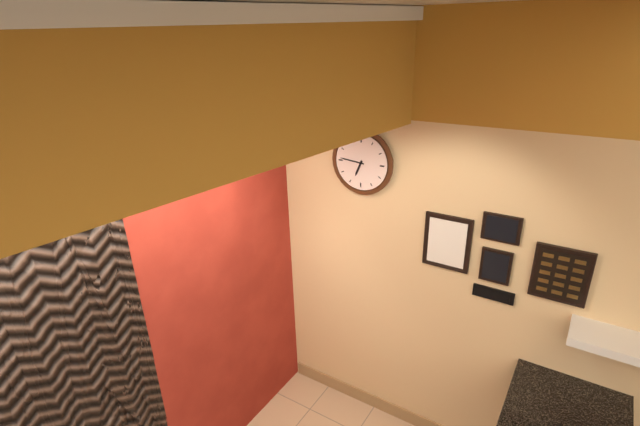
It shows 6h46
